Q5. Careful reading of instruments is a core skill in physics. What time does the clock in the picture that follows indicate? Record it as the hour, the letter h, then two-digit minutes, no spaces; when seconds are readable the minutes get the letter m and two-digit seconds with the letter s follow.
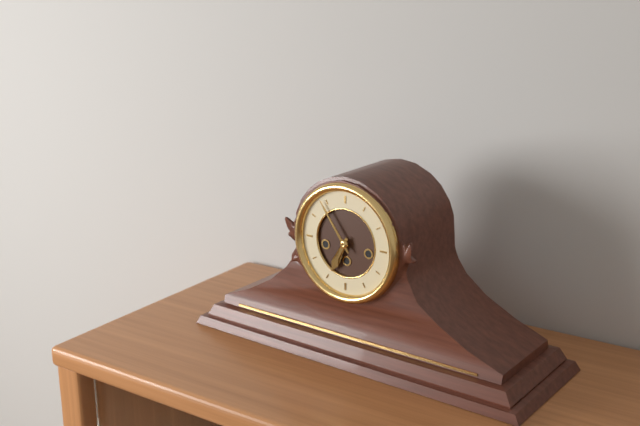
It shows 6h54
